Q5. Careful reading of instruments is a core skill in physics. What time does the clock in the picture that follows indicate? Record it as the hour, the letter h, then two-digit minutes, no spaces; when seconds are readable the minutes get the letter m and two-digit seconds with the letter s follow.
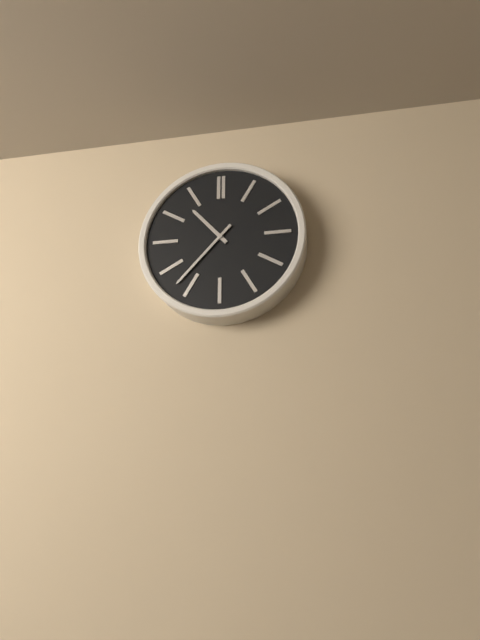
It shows 10h37
